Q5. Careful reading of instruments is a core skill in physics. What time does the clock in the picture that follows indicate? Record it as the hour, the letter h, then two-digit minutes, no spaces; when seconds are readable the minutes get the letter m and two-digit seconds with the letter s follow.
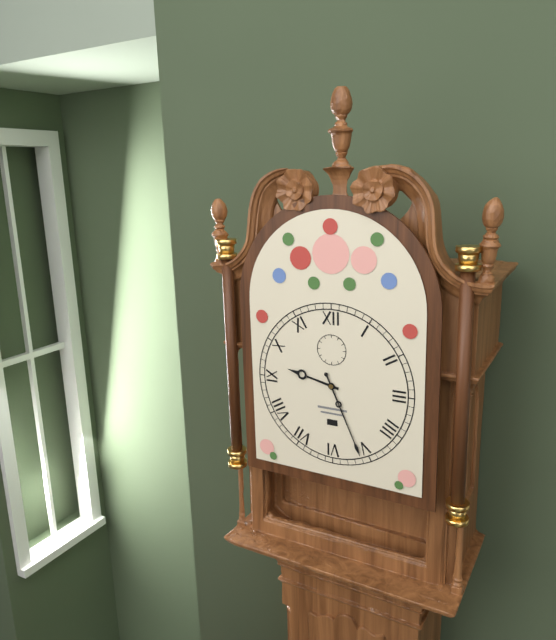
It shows 9h26
